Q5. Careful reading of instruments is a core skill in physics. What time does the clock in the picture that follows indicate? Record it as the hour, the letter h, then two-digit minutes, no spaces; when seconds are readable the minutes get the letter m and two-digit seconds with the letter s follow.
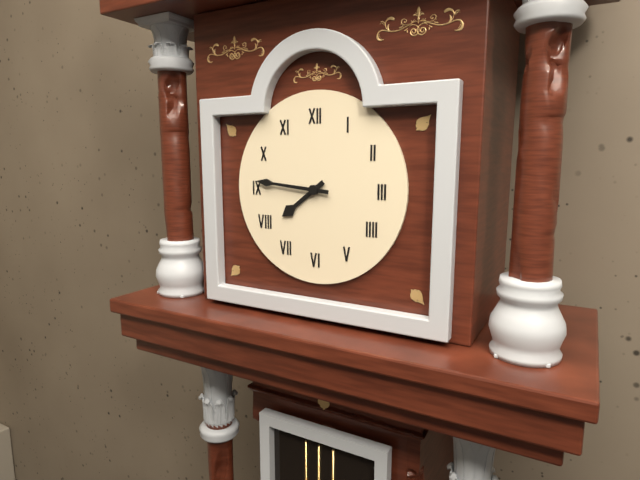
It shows 7h46
